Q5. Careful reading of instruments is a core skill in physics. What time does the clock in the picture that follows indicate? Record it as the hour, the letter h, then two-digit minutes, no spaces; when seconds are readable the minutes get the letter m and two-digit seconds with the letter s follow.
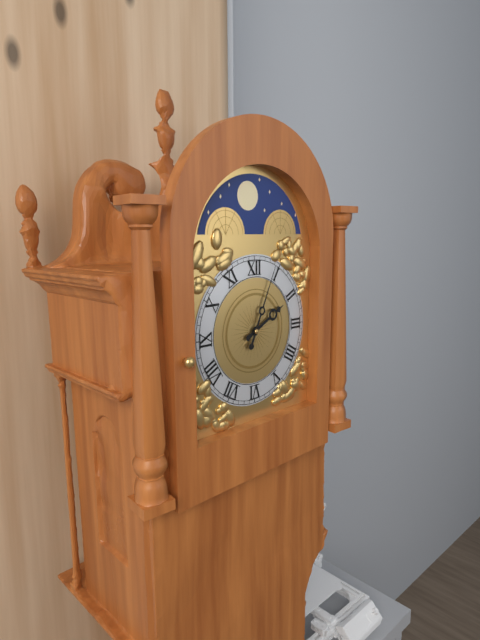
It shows 2h04
